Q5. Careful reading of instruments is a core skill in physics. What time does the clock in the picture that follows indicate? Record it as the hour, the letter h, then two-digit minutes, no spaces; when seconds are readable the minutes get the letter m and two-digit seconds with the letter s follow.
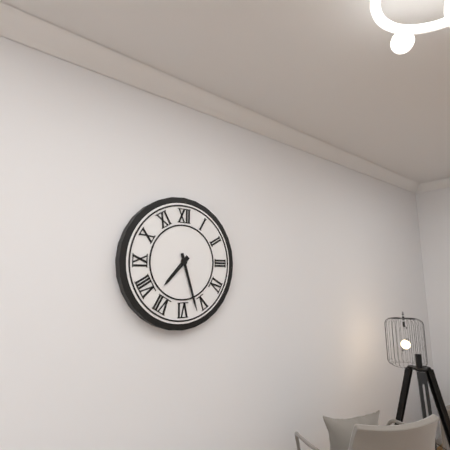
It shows 7h27
